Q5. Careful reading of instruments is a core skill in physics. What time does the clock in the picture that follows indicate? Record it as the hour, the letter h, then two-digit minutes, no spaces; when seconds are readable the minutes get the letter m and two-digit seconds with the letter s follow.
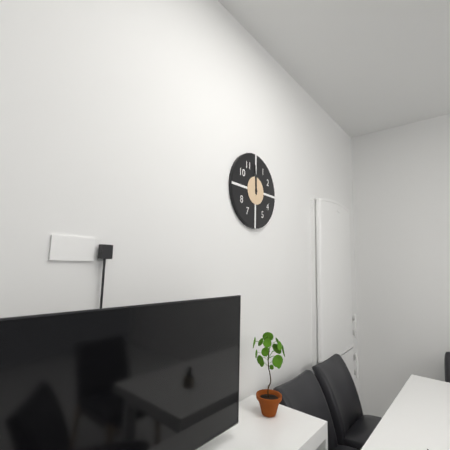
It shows 11h59
